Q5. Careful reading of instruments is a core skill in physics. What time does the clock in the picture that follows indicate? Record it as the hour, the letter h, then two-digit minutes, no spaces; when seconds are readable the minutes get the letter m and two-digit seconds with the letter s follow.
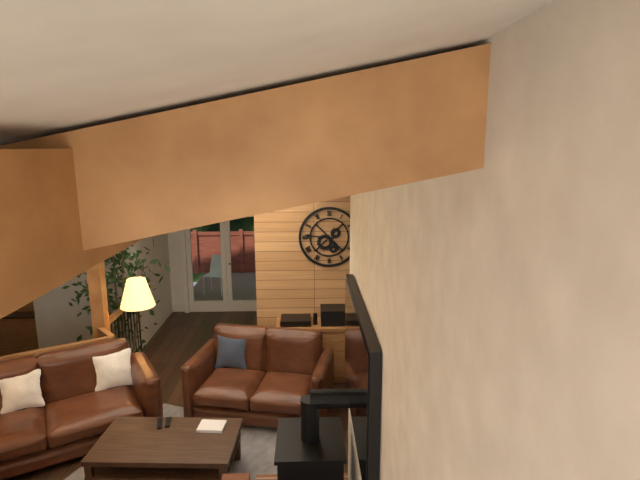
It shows 4h46
